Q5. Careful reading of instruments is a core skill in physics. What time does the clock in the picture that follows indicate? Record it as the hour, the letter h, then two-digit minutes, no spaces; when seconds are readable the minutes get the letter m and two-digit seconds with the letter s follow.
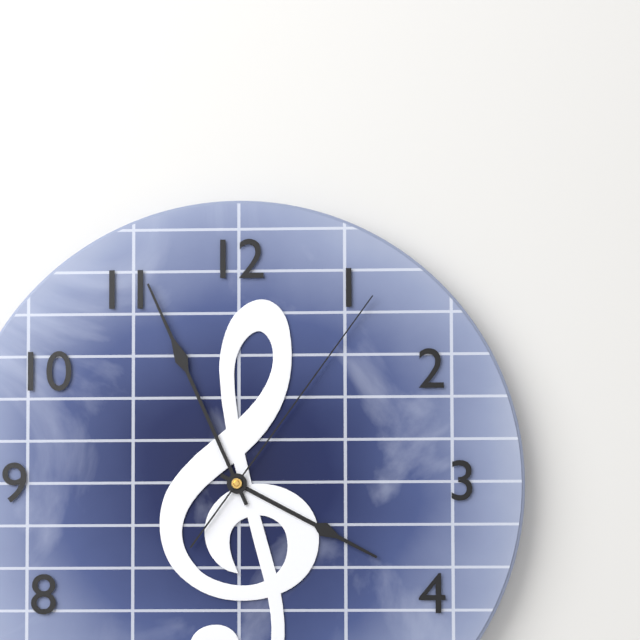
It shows 3h56m06s
